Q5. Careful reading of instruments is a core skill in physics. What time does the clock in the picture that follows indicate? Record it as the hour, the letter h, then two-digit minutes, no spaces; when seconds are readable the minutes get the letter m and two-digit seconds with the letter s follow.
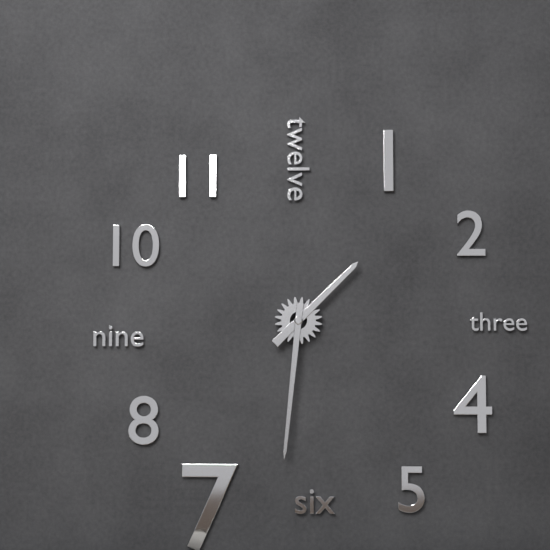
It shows 1h31
